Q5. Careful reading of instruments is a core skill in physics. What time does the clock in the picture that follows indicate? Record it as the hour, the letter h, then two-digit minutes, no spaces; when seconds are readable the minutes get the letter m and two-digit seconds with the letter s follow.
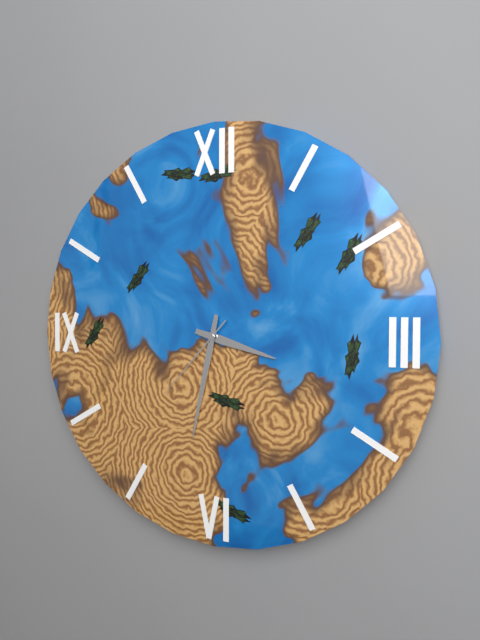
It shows 3h32m37s
